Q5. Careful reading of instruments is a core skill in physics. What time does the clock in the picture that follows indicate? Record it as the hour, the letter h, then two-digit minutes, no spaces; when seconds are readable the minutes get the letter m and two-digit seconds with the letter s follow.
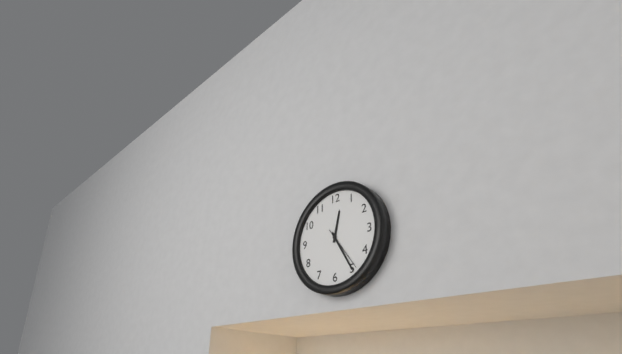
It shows 12h25
